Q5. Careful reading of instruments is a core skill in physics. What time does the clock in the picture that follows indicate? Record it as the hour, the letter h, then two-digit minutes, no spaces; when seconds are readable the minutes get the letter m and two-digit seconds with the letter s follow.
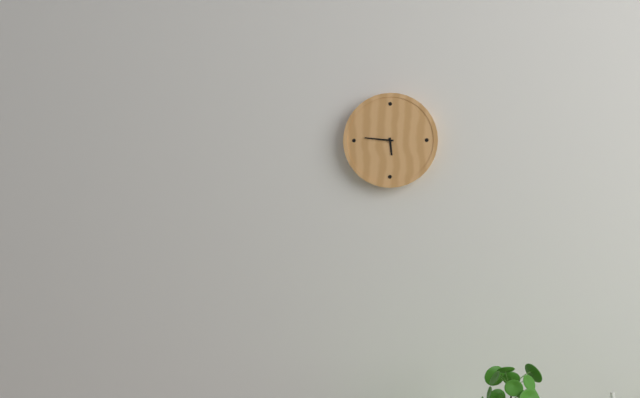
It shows 5h46
